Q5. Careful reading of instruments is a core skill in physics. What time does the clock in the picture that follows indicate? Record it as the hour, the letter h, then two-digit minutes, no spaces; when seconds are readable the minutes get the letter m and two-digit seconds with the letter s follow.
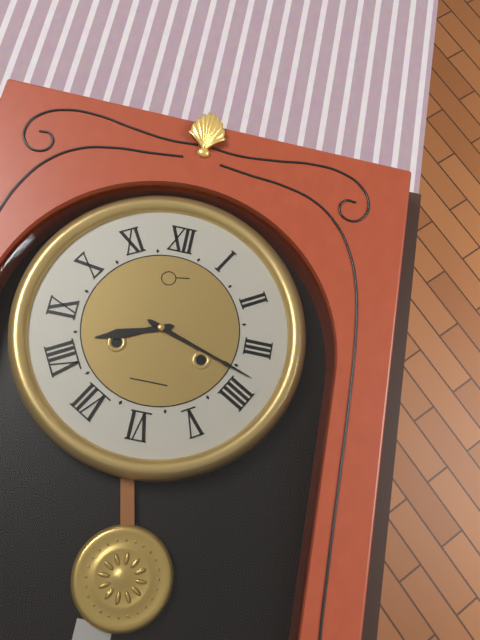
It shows 8h18
